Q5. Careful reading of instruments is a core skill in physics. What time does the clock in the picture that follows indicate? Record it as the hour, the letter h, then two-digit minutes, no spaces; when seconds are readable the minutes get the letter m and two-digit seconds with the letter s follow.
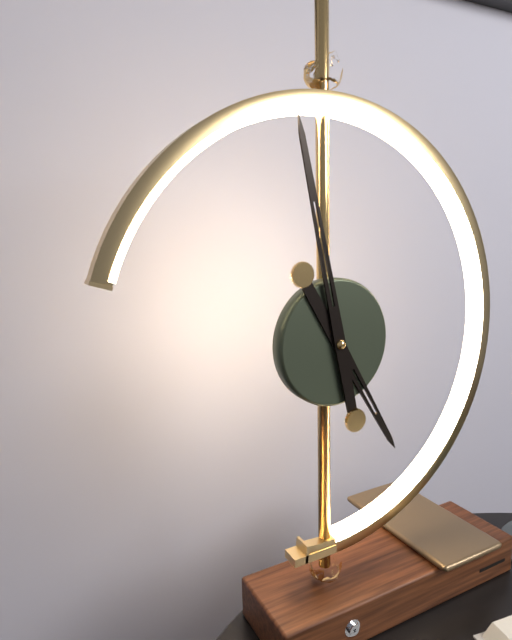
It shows 4h58
